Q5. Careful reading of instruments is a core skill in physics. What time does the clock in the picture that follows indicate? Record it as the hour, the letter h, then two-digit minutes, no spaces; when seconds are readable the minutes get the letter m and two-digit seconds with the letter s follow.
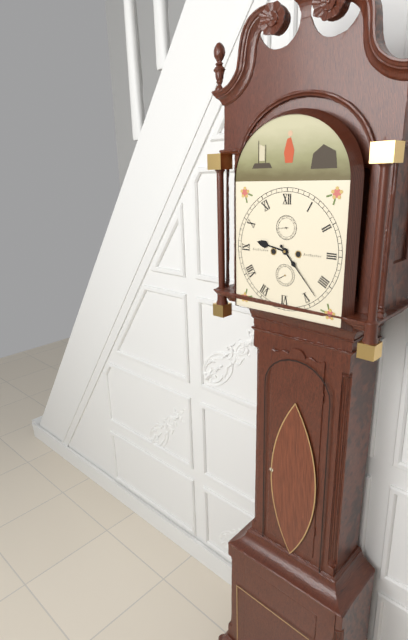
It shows 9h23
